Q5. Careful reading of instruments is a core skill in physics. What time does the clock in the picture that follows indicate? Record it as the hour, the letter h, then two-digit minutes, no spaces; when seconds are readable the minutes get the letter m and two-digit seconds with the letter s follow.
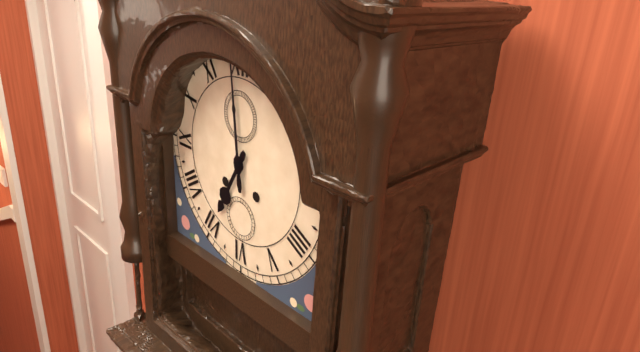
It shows 6h59
